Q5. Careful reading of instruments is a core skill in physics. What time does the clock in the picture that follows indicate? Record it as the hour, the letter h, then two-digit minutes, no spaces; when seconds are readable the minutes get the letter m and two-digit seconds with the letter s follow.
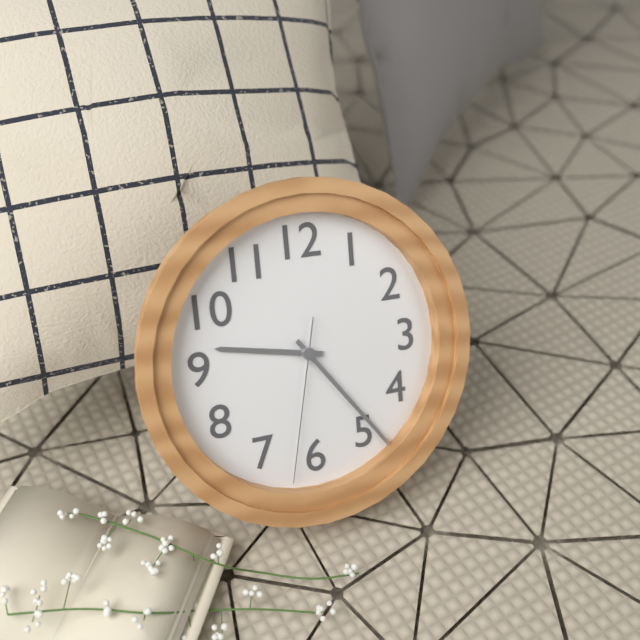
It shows 9h24m32s
